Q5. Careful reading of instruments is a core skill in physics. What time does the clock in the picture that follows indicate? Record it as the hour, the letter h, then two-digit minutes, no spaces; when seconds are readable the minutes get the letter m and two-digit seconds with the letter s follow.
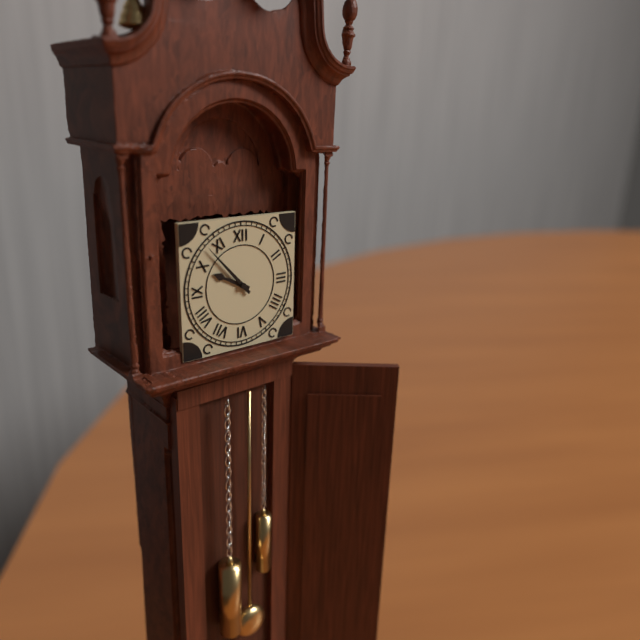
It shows 9h53
